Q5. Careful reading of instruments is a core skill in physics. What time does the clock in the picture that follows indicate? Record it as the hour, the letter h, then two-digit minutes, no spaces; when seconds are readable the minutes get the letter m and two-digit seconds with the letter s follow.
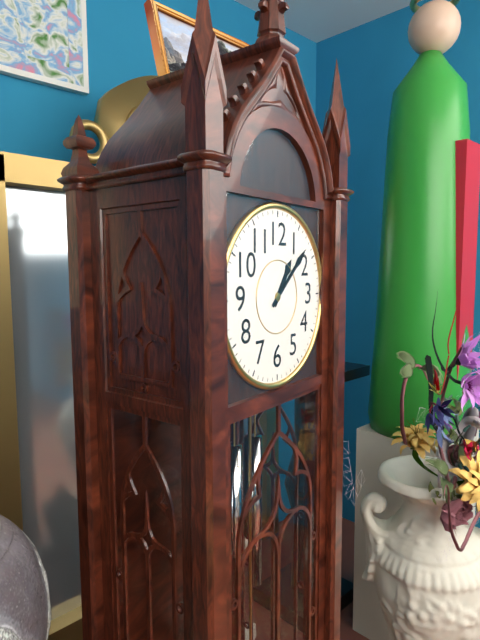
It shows 1h08
